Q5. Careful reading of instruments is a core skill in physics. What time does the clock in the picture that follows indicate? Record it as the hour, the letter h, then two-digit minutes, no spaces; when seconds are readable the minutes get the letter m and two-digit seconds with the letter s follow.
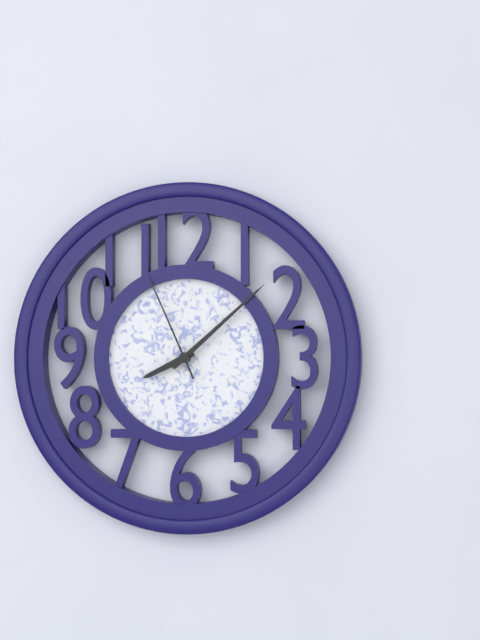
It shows 8h08m56s
